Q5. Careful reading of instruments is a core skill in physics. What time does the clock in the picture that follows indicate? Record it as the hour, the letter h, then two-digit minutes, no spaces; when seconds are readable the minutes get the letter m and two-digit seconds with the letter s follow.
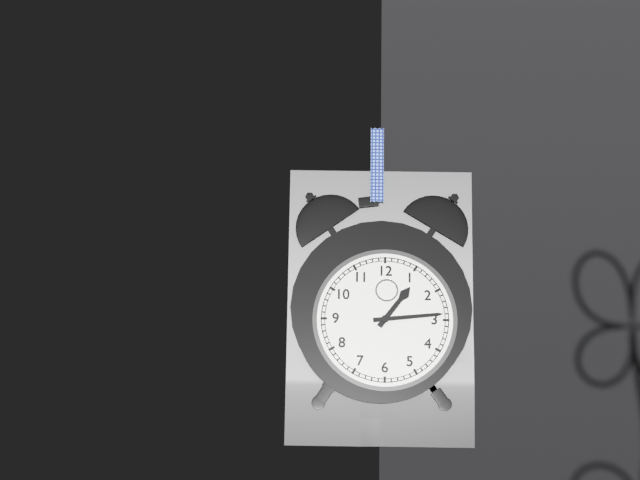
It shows 1h14
